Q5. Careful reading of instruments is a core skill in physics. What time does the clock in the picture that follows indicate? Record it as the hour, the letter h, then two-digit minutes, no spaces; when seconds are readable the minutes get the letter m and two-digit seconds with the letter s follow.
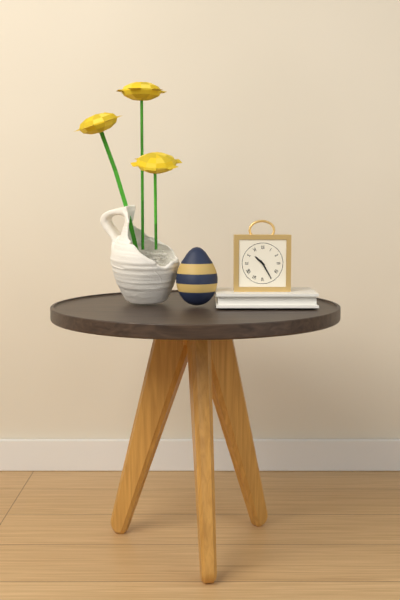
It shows 10h25
